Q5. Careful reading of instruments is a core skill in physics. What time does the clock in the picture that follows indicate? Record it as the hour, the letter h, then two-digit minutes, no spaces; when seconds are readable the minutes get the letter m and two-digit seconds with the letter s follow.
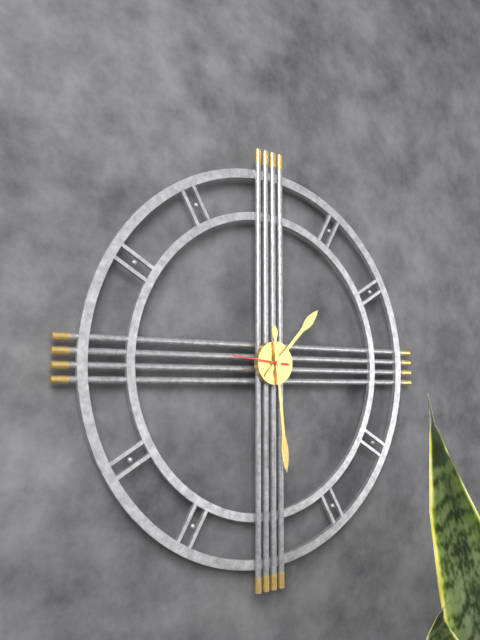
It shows 1h29m46s
